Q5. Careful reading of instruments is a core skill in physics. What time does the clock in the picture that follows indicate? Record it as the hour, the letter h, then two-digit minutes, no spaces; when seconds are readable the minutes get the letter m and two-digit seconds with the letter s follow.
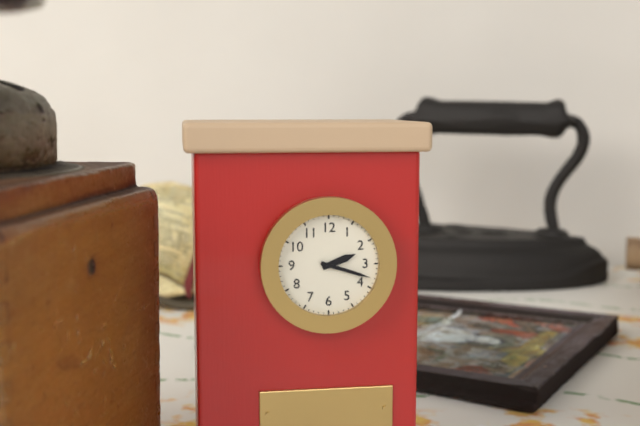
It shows 2h18
